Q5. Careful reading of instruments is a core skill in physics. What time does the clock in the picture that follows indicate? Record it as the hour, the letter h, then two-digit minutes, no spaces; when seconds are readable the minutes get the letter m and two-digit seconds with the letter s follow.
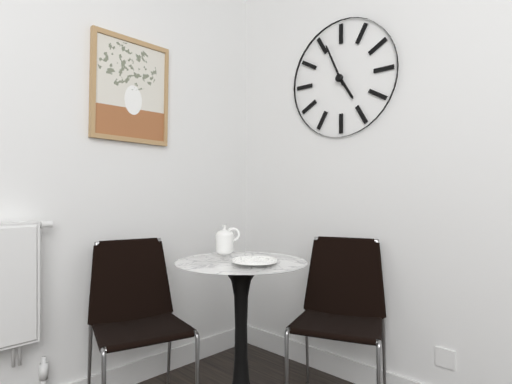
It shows 4h56
